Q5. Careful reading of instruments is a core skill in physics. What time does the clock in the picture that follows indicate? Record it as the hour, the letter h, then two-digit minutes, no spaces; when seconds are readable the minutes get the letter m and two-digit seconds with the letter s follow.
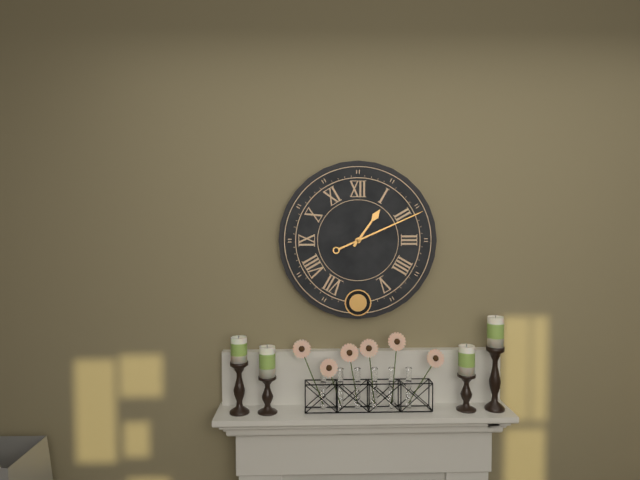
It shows 1h11
